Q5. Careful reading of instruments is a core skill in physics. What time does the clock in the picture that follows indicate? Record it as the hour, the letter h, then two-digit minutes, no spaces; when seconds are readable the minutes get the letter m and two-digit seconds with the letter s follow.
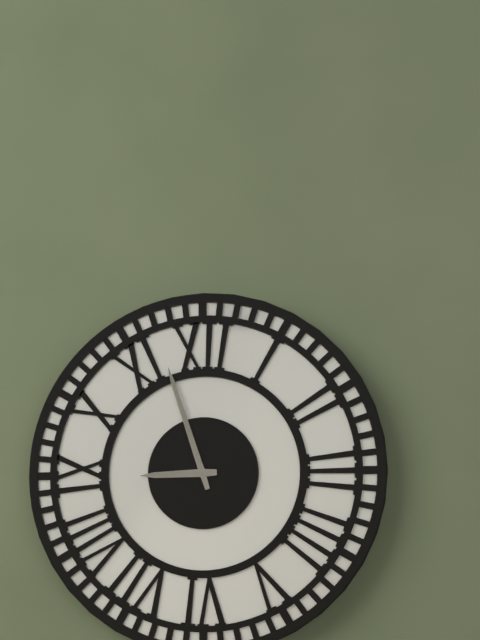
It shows 8h57
